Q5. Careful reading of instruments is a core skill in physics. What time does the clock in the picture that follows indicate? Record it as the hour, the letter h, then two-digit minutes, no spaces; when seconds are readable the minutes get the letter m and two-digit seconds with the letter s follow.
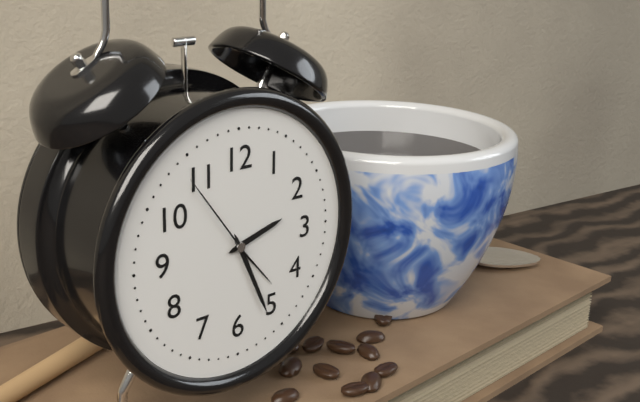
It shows 2h26m54s
